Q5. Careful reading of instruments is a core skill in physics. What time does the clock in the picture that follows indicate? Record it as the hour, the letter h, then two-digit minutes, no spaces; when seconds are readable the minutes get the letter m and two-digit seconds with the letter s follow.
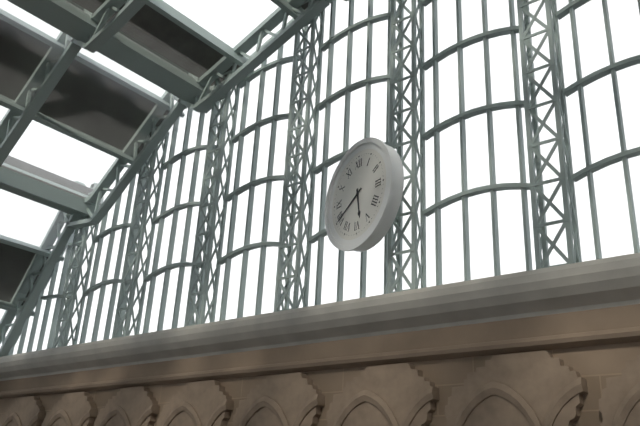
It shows 5h40
